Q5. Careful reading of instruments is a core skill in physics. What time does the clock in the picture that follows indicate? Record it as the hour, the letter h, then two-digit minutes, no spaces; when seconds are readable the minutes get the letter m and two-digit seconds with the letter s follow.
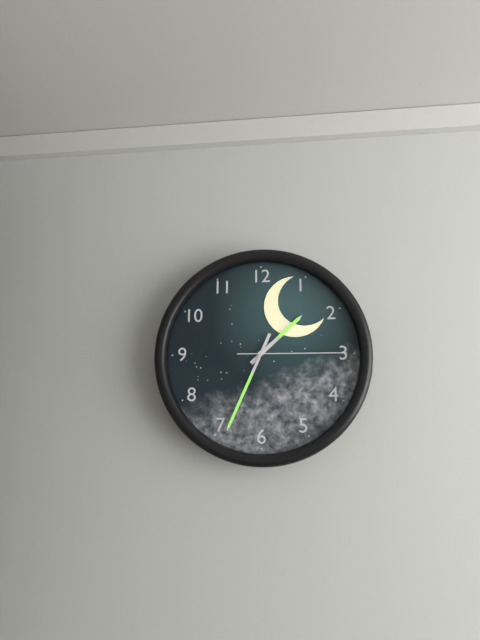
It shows 1h34m15s
